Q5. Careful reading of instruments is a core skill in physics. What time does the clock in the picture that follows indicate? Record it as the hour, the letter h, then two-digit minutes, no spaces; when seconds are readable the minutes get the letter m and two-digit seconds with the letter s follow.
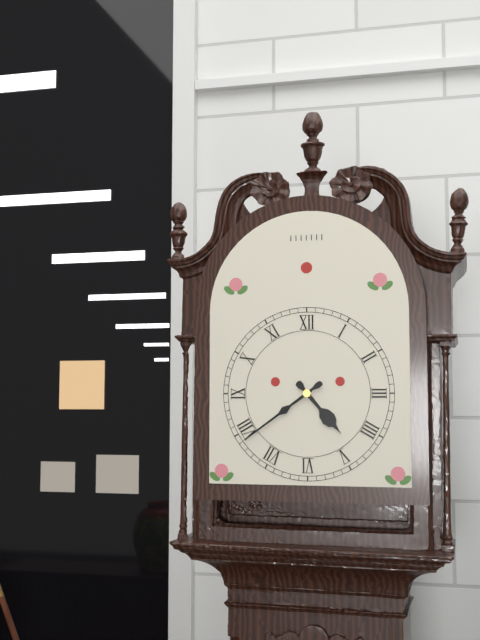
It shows 4h39
